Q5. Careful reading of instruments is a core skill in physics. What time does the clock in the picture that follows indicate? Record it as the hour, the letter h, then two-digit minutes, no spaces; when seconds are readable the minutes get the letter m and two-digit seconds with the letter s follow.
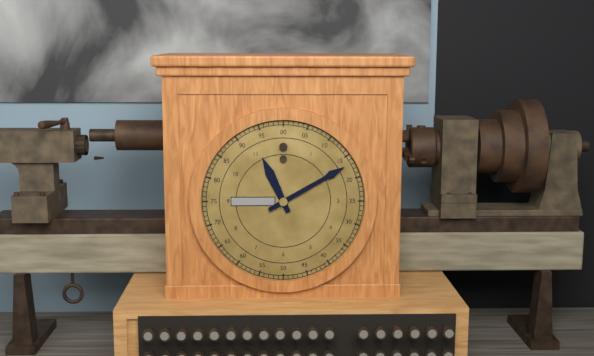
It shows 11h10
